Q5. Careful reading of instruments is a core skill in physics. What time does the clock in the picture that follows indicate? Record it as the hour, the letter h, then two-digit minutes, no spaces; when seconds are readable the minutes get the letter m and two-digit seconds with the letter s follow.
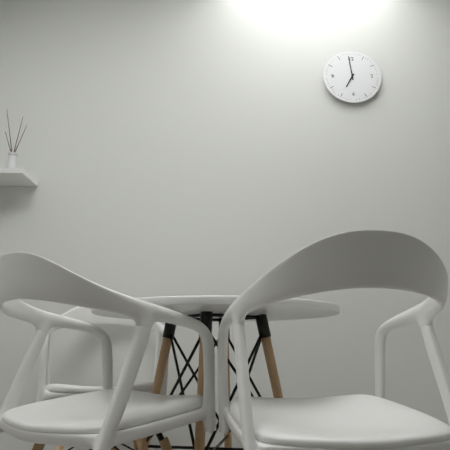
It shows 6h59
